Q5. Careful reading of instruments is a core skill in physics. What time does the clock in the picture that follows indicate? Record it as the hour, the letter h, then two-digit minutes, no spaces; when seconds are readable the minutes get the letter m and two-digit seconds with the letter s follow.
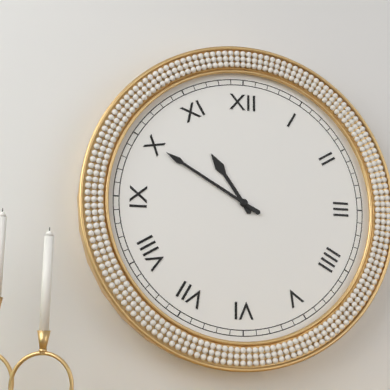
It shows 10h50
